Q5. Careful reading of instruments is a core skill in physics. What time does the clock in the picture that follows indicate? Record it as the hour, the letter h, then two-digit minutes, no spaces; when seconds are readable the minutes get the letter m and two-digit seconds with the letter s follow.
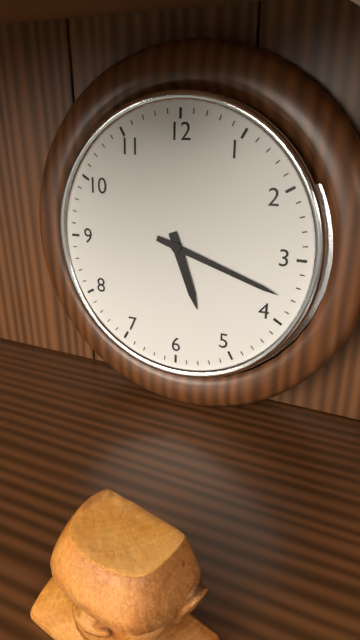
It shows 5h18
